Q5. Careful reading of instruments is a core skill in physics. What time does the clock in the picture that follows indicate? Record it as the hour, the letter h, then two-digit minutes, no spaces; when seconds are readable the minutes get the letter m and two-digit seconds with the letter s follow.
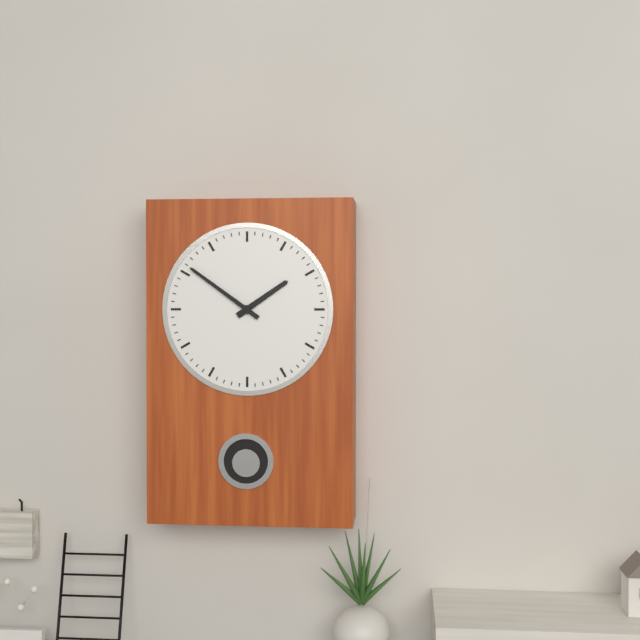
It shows 1h51
